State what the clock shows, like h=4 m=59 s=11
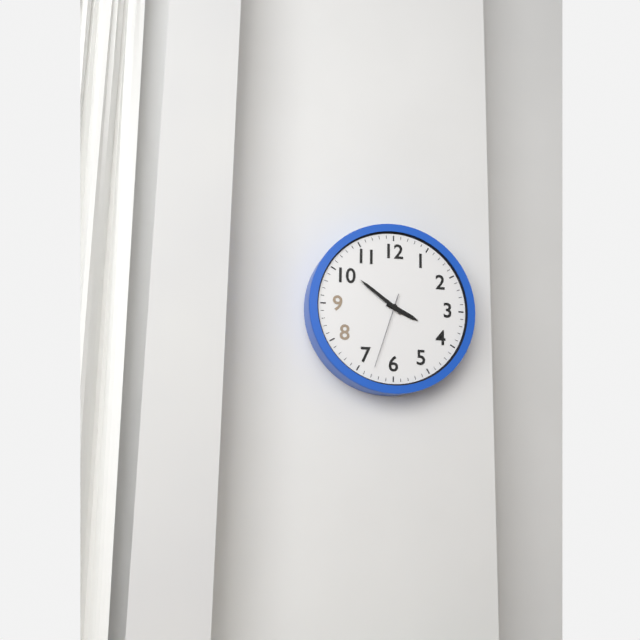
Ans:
h=3 m=51 s=33
